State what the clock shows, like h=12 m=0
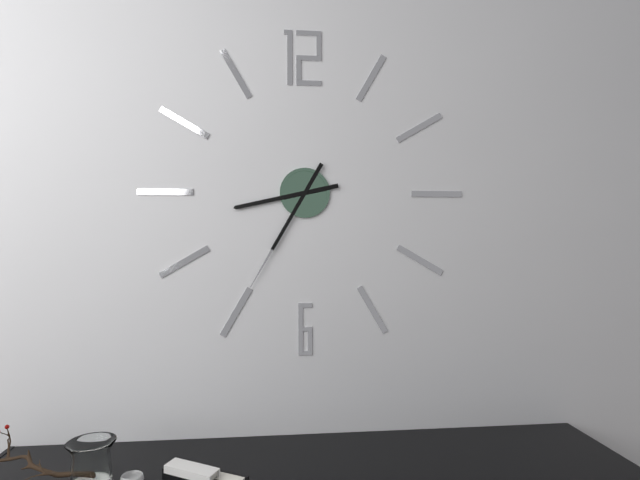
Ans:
h=8 m=35
